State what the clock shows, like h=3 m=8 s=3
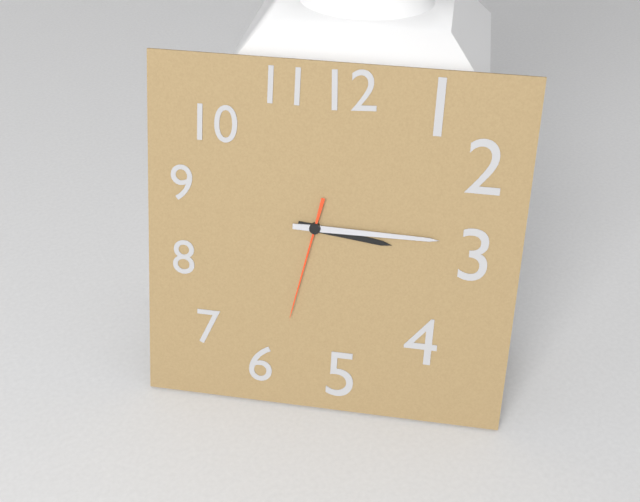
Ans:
h=3 m=15 s=32
